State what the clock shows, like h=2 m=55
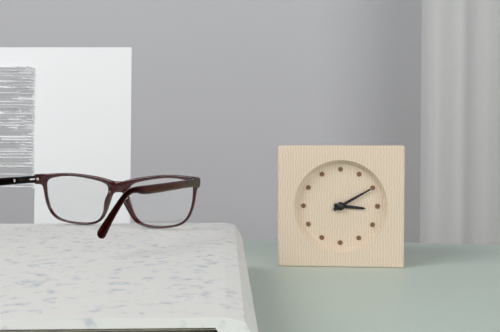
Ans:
h=3 m=10
